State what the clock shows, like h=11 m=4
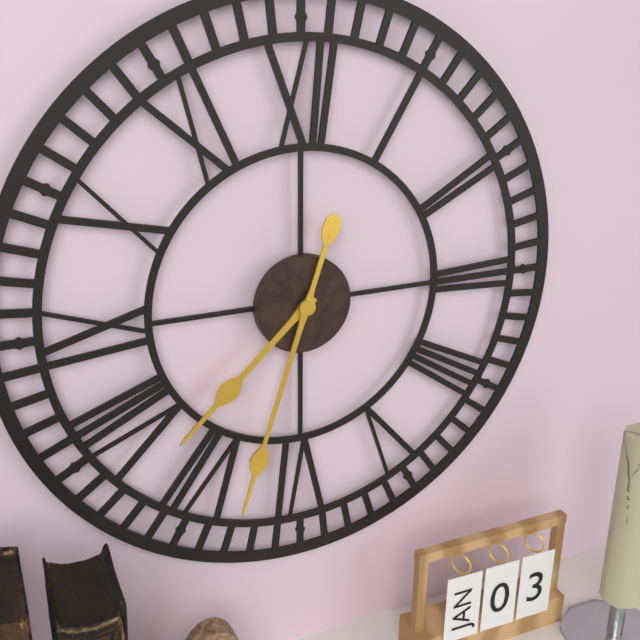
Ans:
h=7 m=33
